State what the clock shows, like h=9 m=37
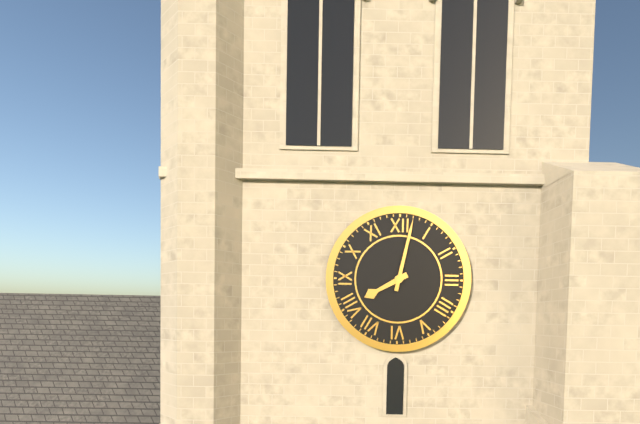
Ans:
h=8 m=2
